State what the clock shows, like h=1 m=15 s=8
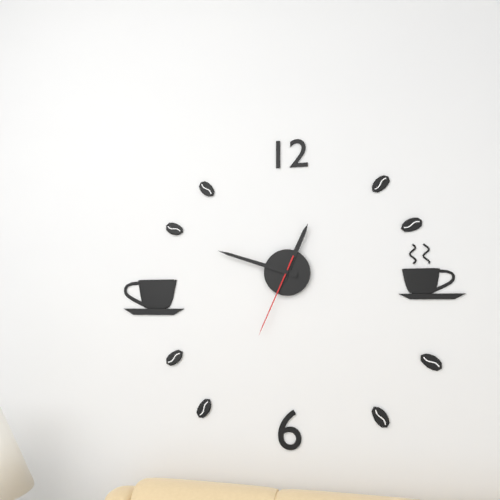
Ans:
h=12 m=48 s=34
